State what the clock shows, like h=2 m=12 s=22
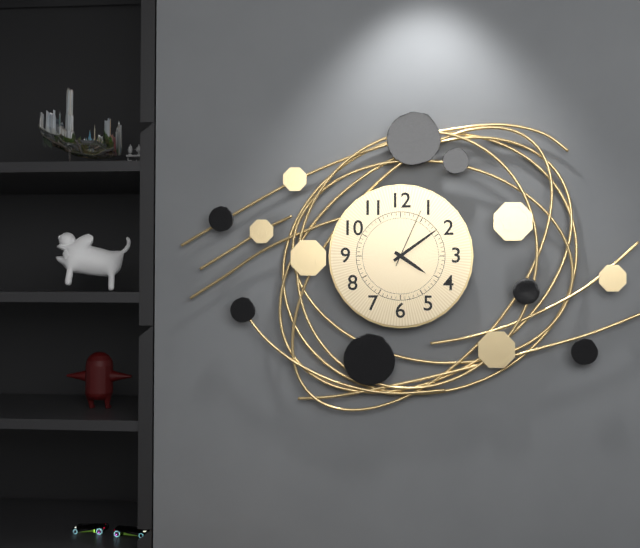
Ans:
h=4 m=9 s=4
